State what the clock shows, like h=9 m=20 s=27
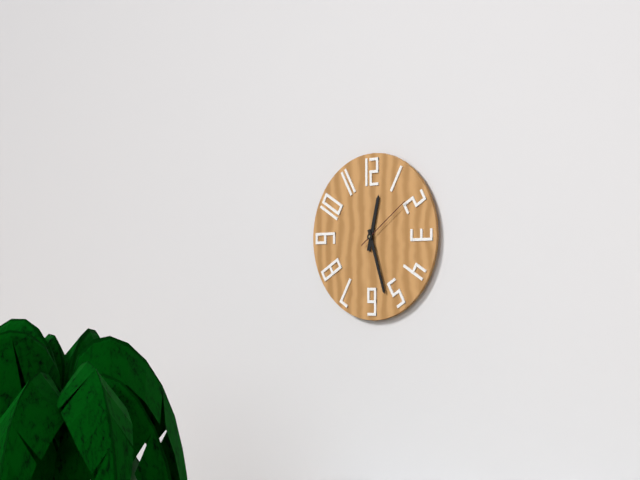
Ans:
h=12 m=27 s=9
